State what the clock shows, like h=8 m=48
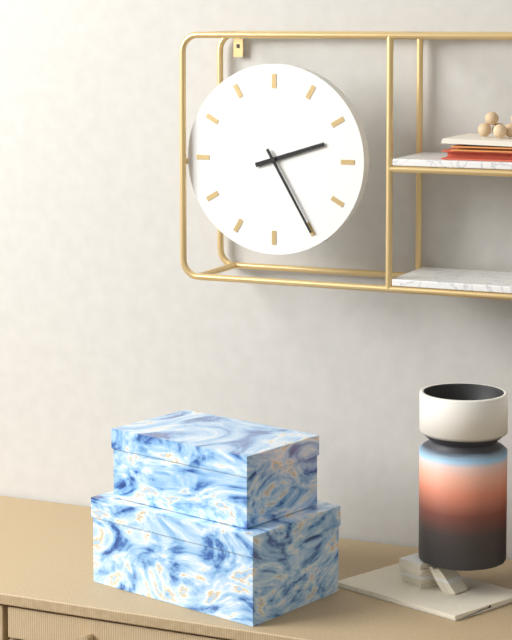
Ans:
h=2 m=25
